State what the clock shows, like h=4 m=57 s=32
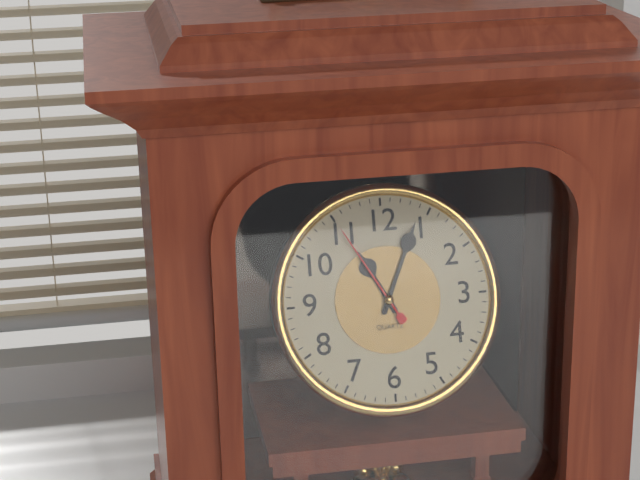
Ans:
h=11 m=4 s=55
